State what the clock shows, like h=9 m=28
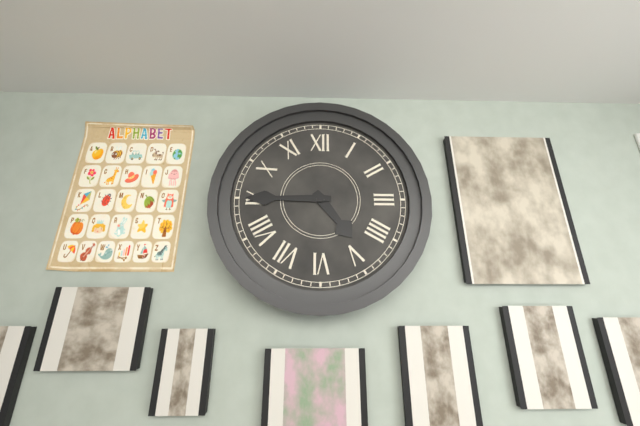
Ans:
h=4 m=45
